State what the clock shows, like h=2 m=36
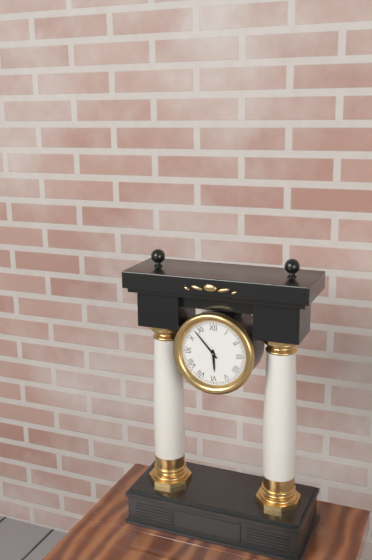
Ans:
h=5 m=53
